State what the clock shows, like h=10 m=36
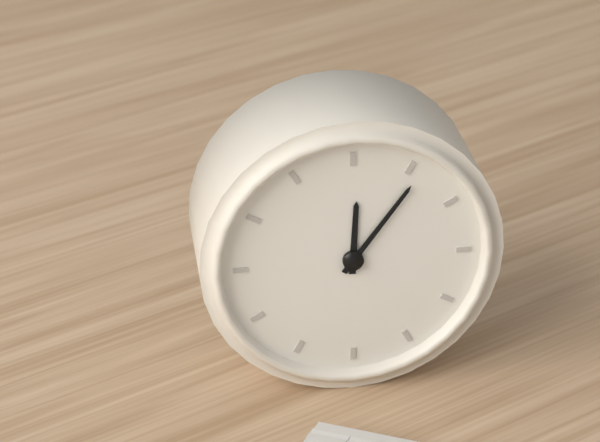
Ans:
h=12 m=6
